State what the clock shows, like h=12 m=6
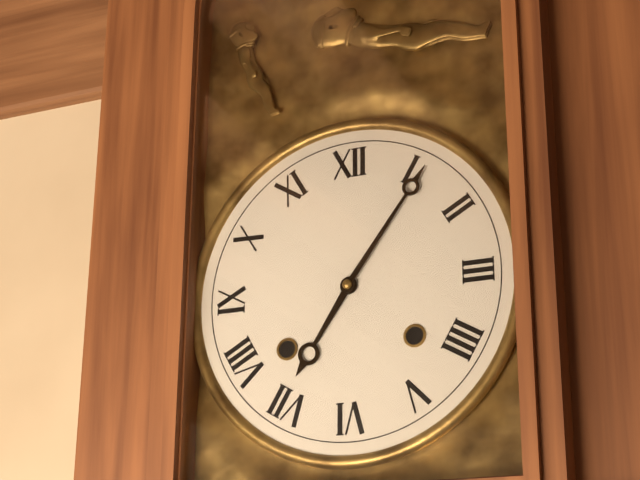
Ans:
h=7 m=6
